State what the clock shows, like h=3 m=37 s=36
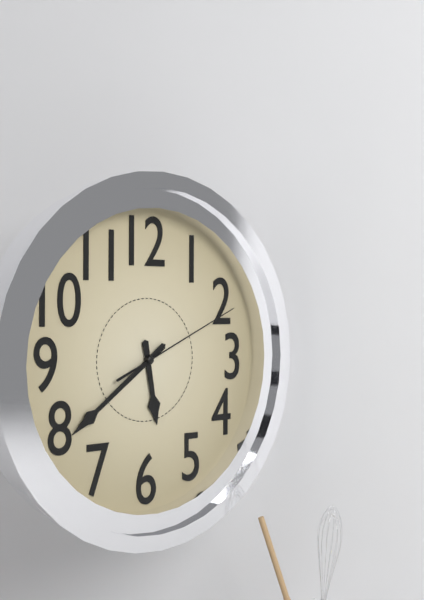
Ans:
h=5 m=39 s=11
